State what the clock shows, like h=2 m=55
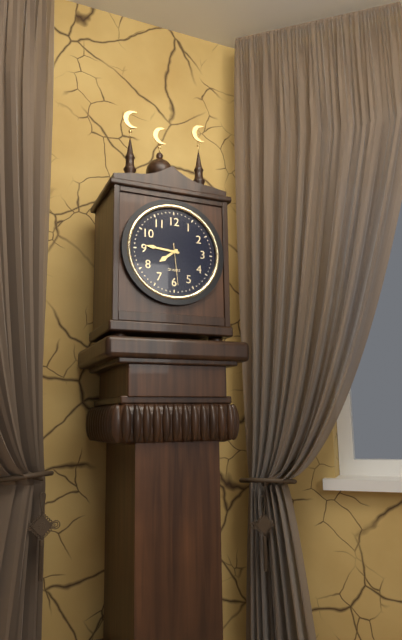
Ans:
h=7 m=46
